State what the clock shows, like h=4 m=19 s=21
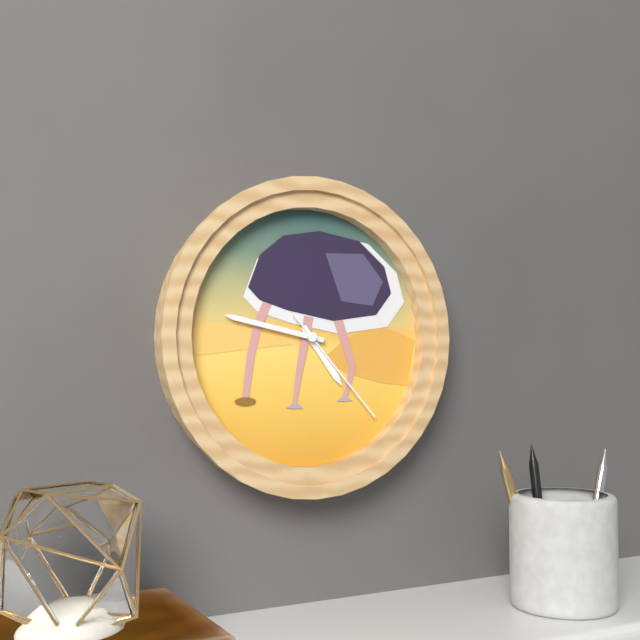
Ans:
h=4 m=47 s=23
